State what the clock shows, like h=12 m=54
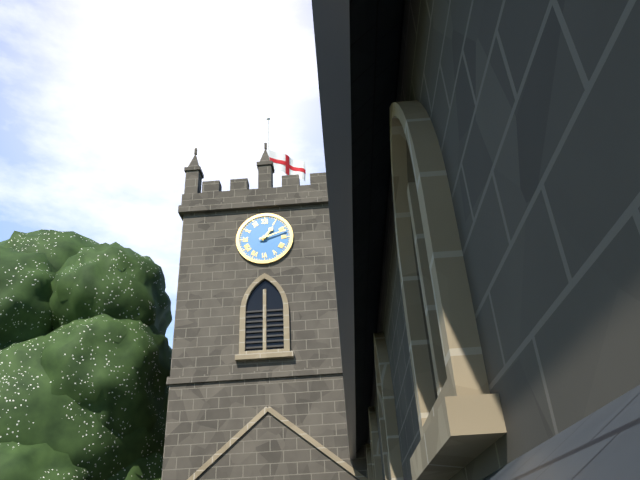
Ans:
h=1 m=12
